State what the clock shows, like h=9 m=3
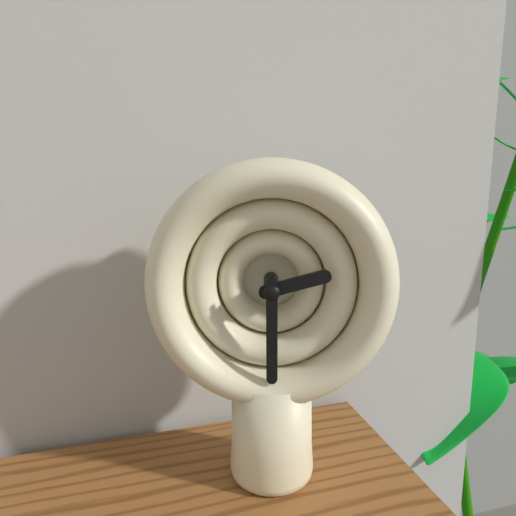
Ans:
h=2 m=30
